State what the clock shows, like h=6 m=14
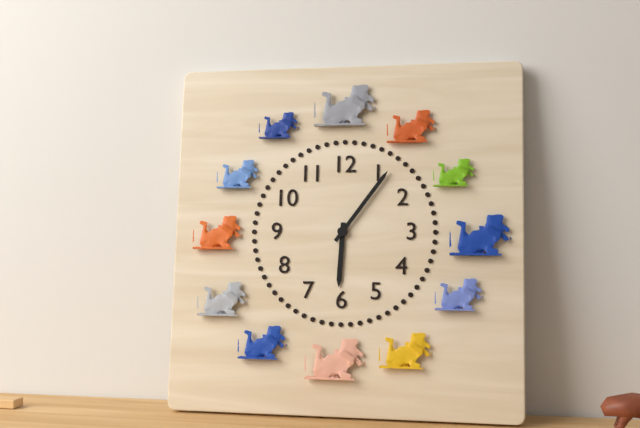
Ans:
h=6 m=6
